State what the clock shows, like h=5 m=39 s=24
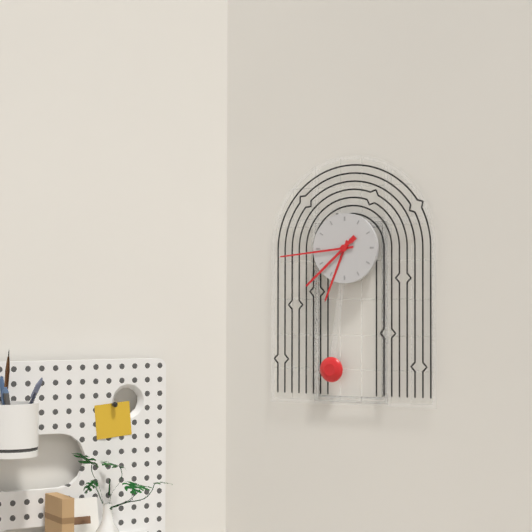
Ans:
h=6 m=44 s=38
